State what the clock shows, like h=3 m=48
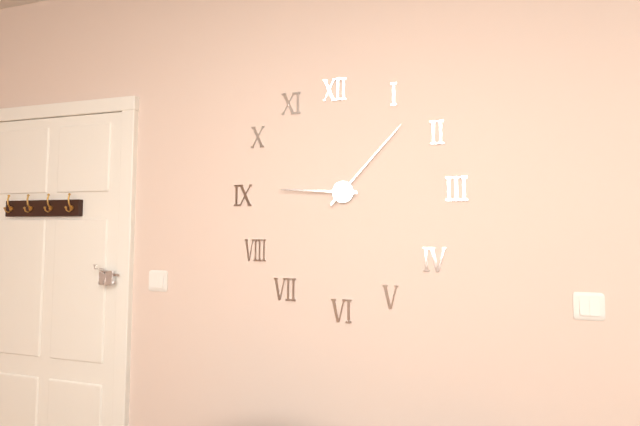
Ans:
h=9 m=7
